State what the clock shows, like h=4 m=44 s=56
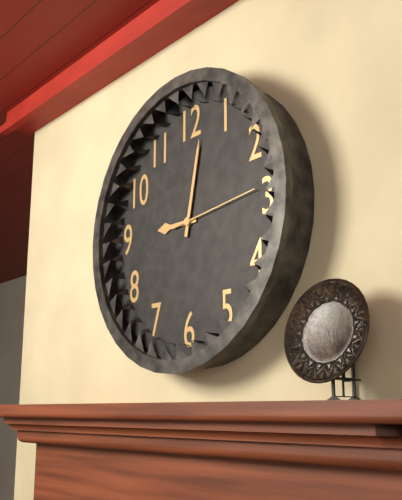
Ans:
h=9 m=2 s=14
